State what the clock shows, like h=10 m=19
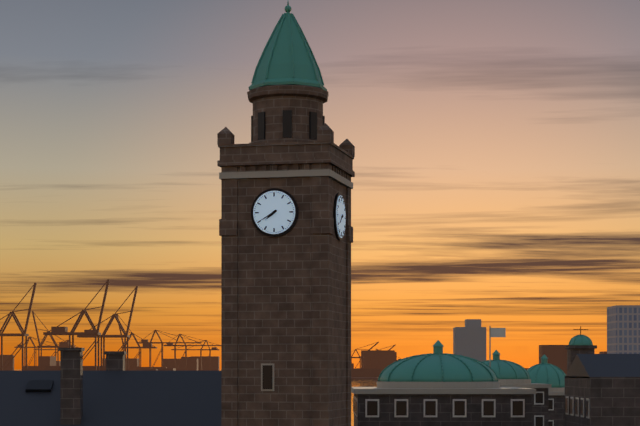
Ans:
h=7 m=40
